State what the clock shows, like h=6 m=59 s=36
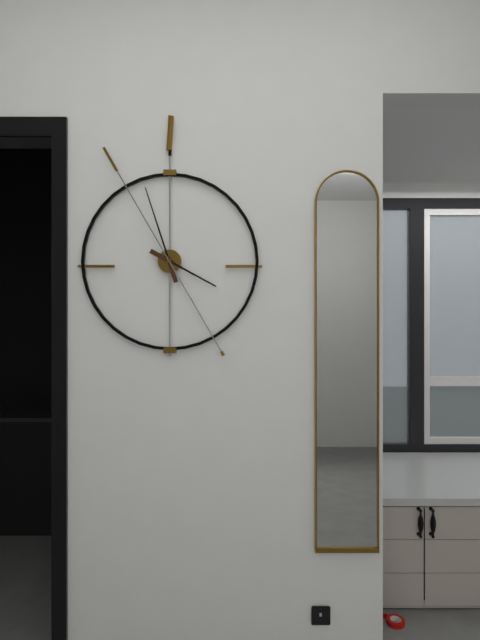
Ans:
h=3 m=57 s=55
